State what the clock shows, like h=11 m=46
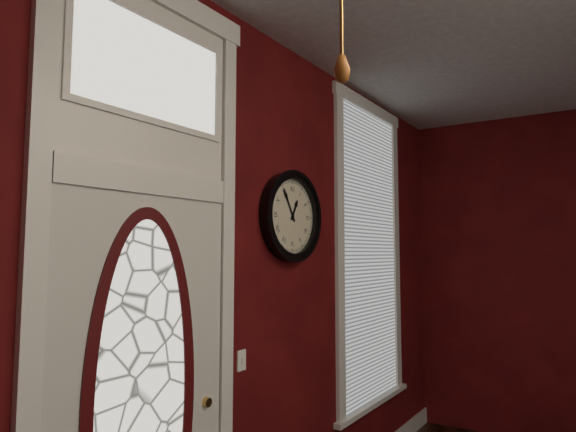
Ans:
h=12 m=55
